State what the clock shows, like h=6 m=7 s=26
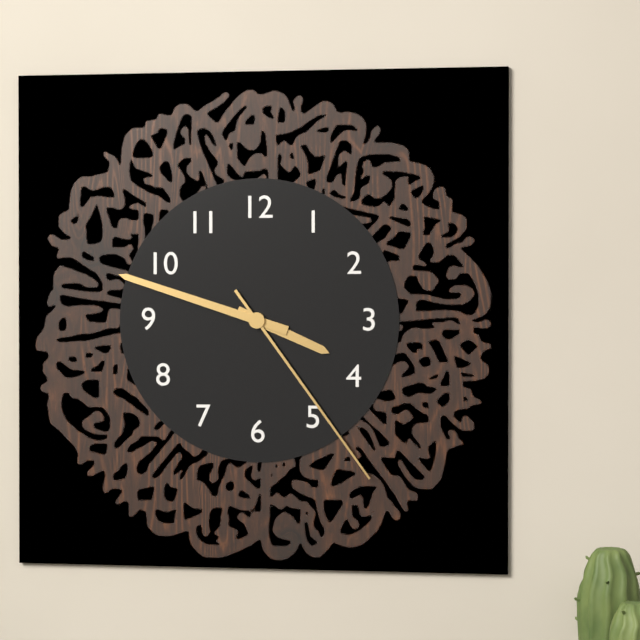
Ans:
h=3 m=48 s=24
